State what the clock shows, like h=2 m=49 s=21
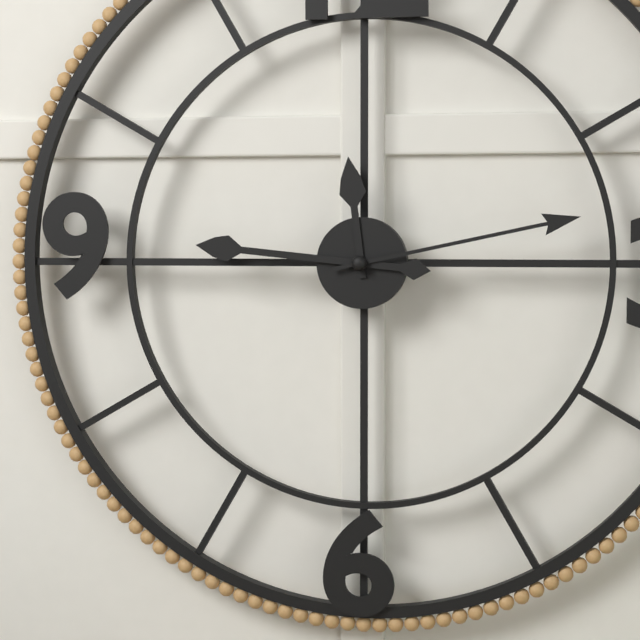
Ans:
h=11 m=46 s=13
